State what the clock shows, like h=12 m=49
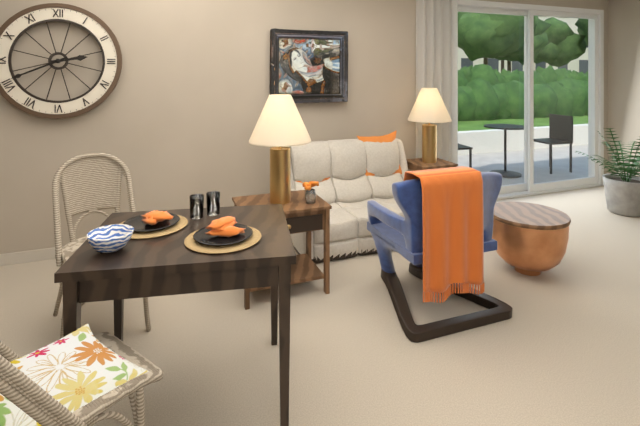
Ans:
h=2 m=41
